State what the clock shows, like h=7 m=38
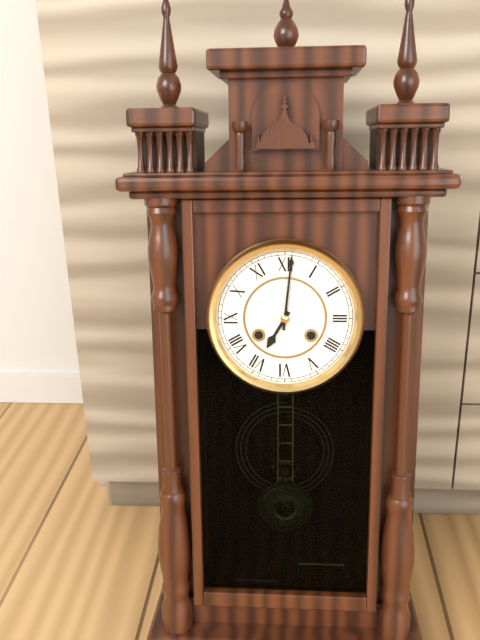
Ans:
h=7 m=1
